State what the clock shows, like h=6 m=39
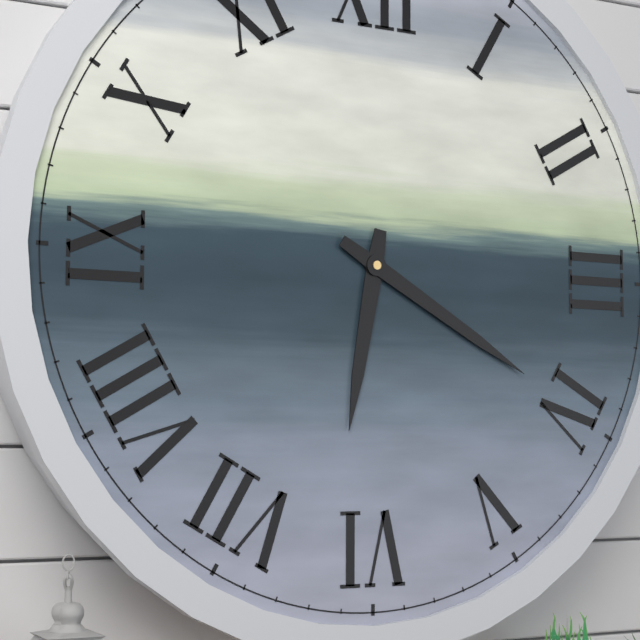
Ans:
h=6 m=20
